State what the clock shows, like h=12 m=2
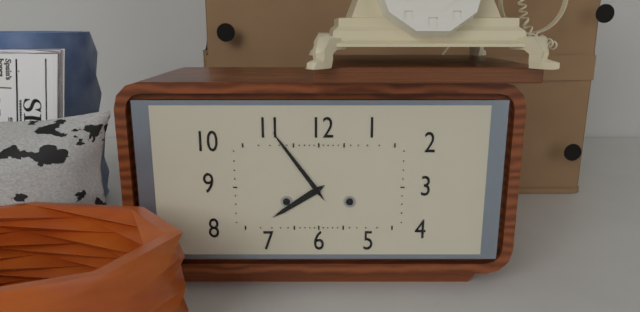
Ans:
h=7 m=54
